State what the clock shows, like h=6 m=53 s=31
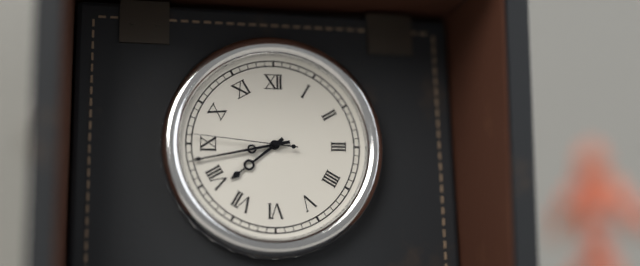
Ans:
h=7 m=43 s=46
